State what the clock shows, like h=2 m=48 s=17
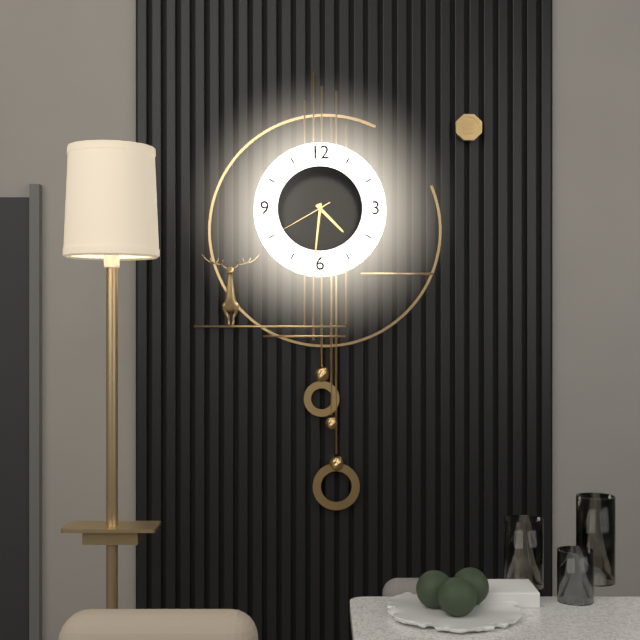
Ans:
h=4 m=31 s=40
